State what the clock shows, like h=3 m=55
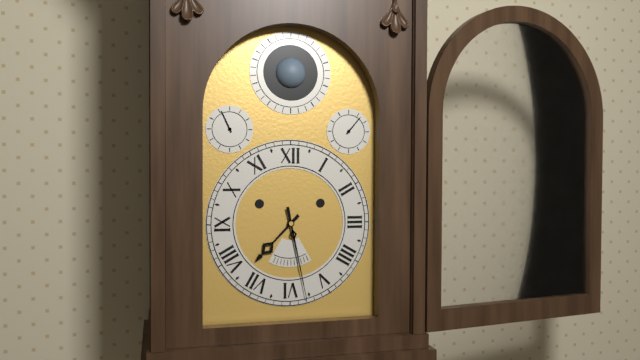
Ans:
h=7 m=28
